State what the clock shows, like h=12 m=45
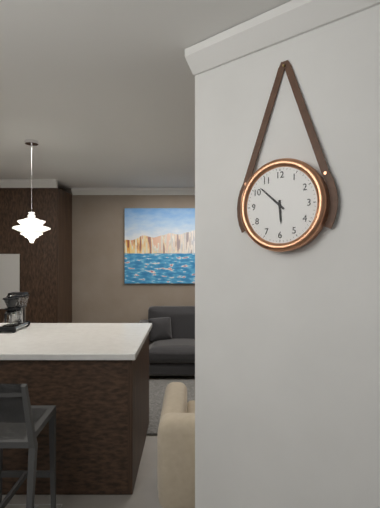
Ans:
h=5 m=52
